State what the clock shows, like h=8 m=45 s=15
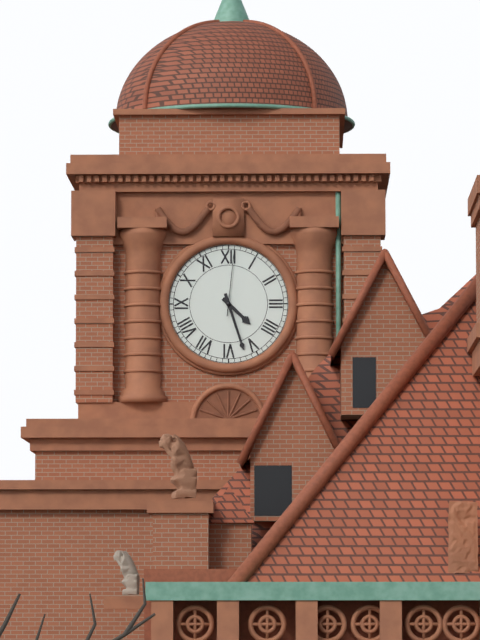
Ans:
h=4 m=27 s=1
